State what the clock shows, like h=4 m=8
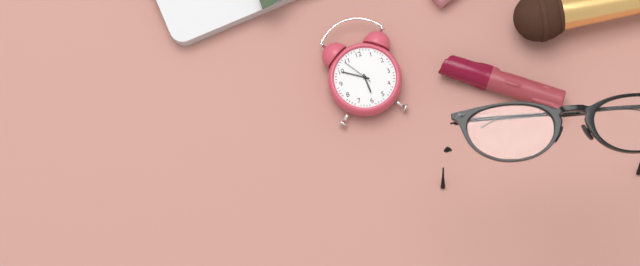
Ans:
h=5 m=50
